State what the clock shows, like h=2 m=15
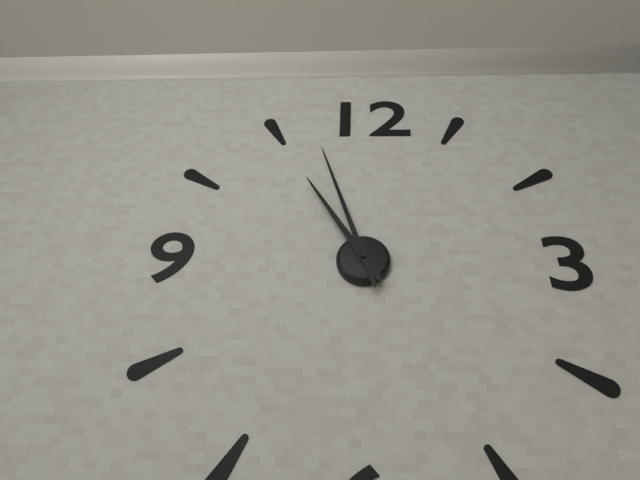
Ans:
h=10 m=57
